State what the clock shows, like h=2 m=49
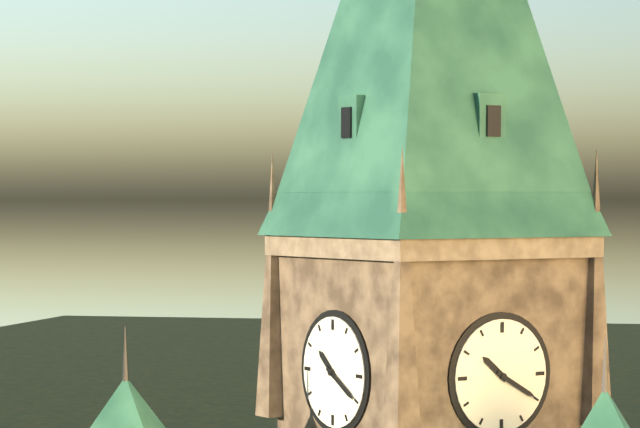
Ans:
h=10 m=20
